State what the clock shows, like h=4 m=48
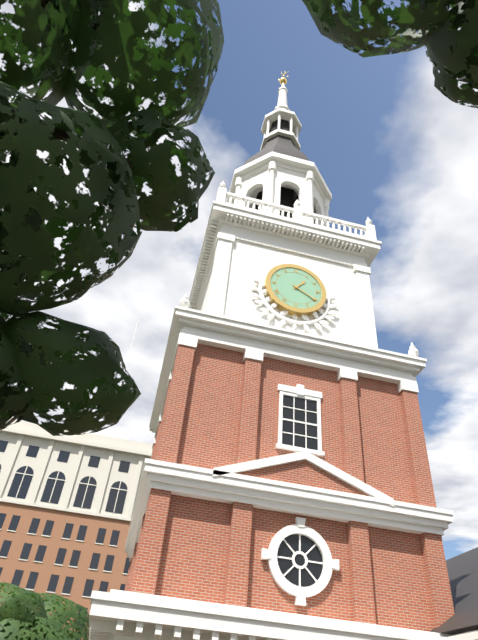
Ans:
h=1 m=20
